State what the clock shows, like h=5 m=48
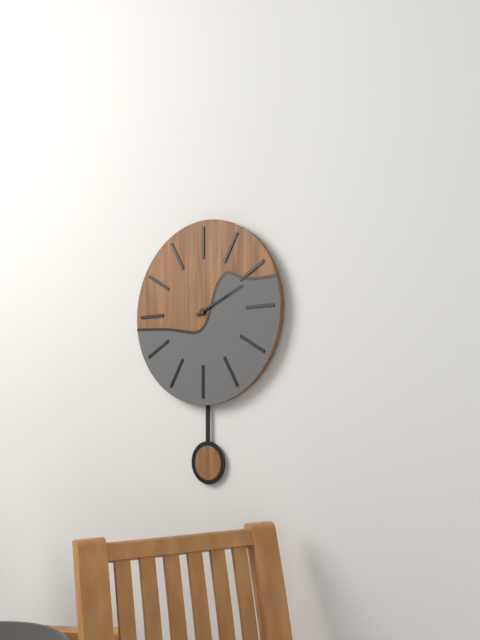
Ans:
h=2 m=11
